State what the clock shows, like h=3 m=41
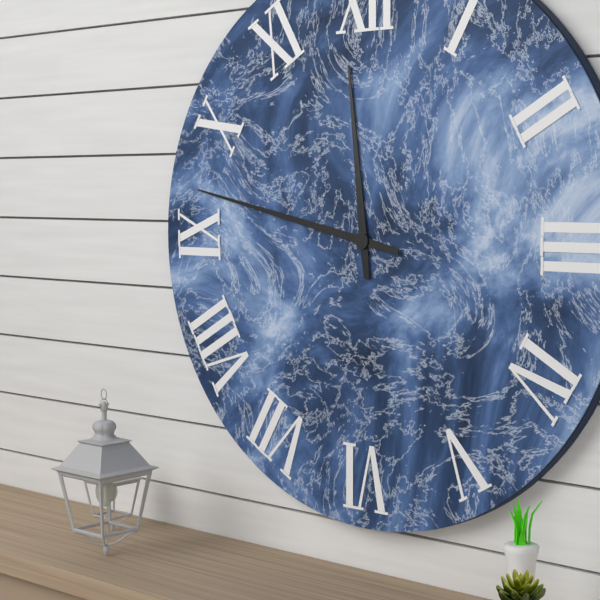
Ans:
h=11 m=47
